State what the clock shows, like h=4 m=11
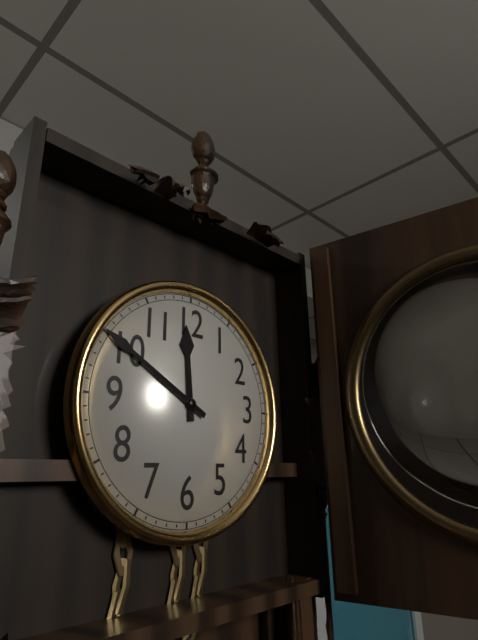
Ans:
h=11 m=50
